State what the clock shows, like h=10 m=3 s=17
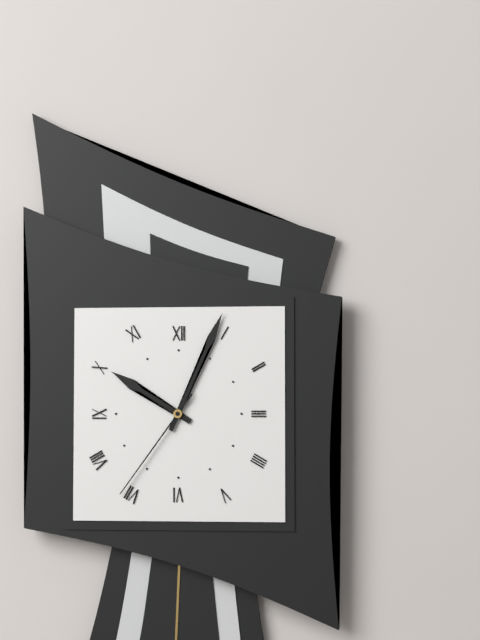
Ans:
h=10 m=4 s=36
